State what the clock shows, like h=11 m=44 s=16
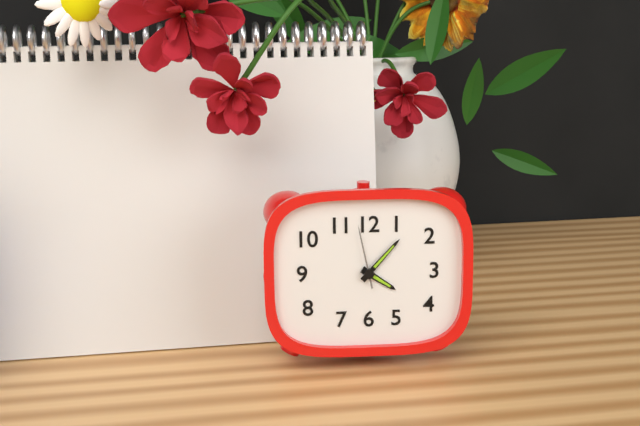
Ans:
h=4 m=7 s=58
